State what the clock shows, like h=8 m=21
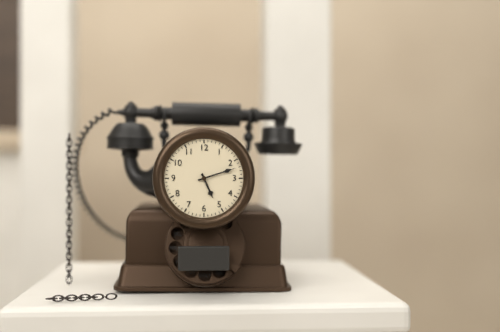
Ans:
h=5 m=12
